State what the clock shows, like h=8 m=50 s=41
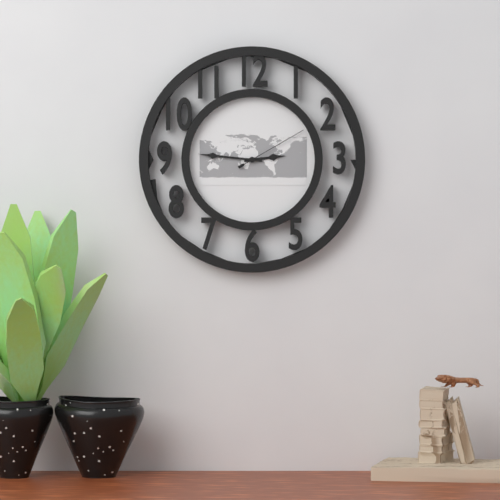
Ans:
h=2 m=46 s=10
